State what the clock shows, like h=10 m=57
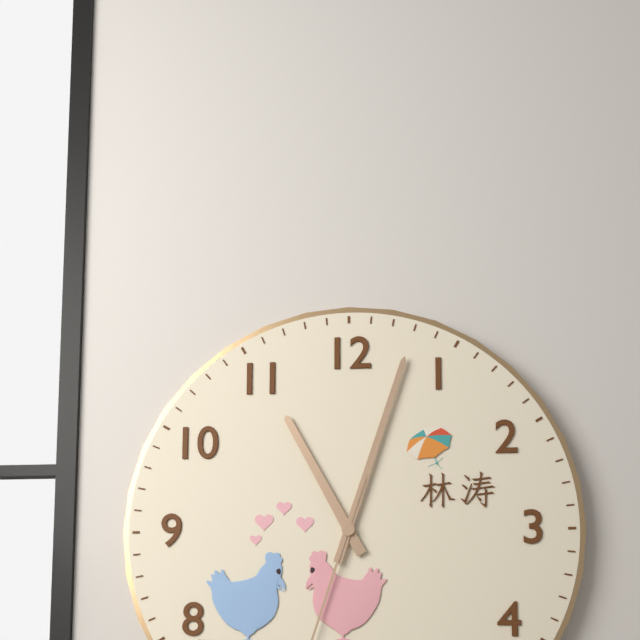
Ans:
h=11 m=3
